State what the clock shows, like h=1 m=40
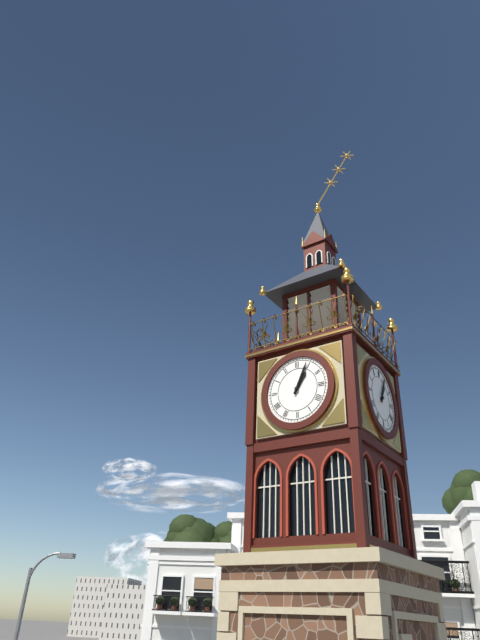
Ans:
h=1 m=4
